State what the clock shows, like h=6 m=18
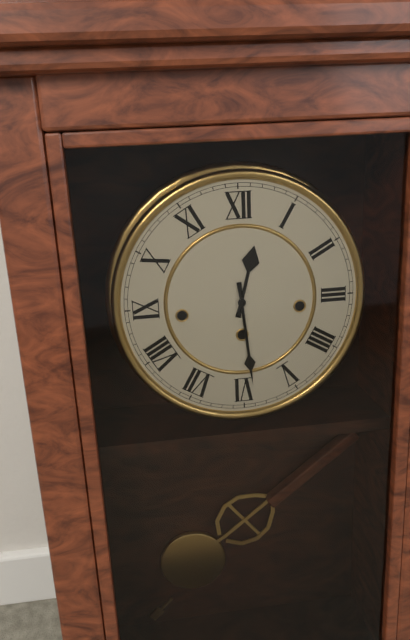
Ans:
h=12 m=29
